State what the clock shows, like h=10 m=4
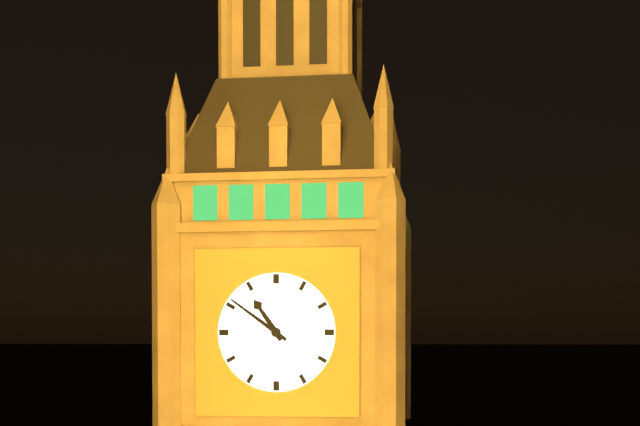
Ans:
h=10 m=51
